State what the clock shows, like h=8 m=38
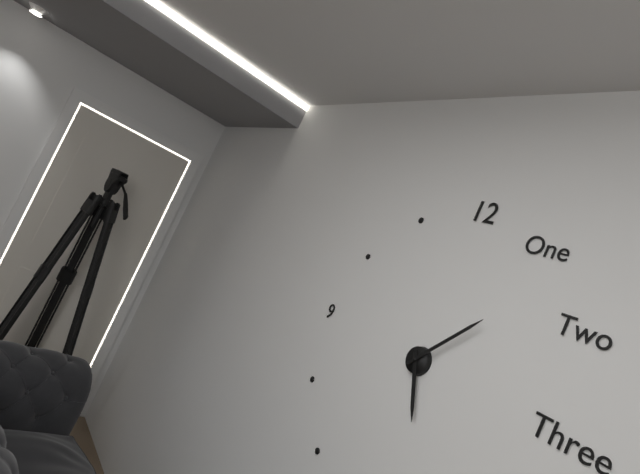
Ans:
h=5 m=7
